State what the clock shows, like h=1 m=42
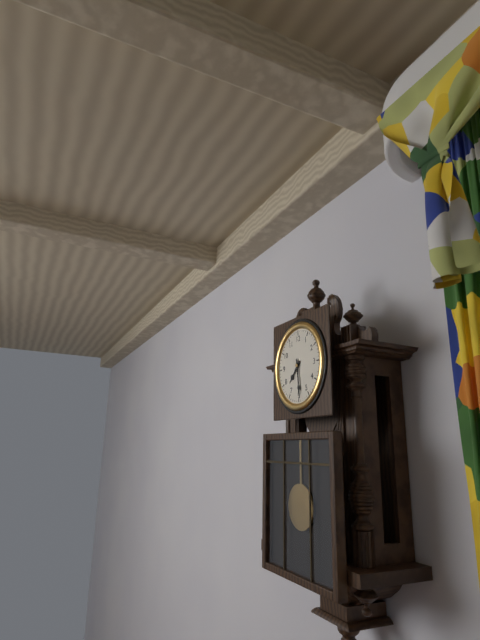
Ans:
h=7 m=29
